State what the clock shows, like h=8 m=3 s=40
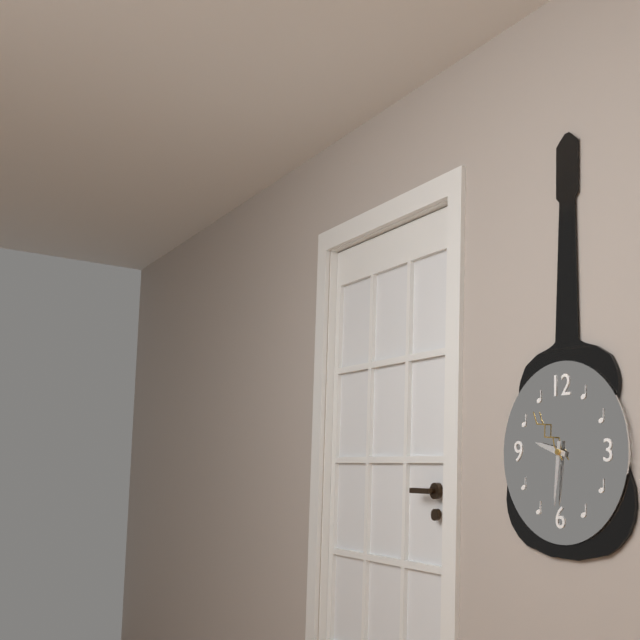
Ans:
h=9 m=31 s=53
